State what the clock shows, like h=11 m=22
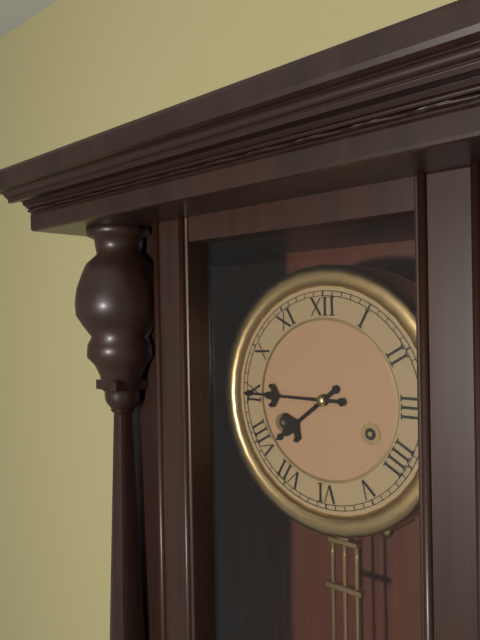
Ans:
h=7 m=45
